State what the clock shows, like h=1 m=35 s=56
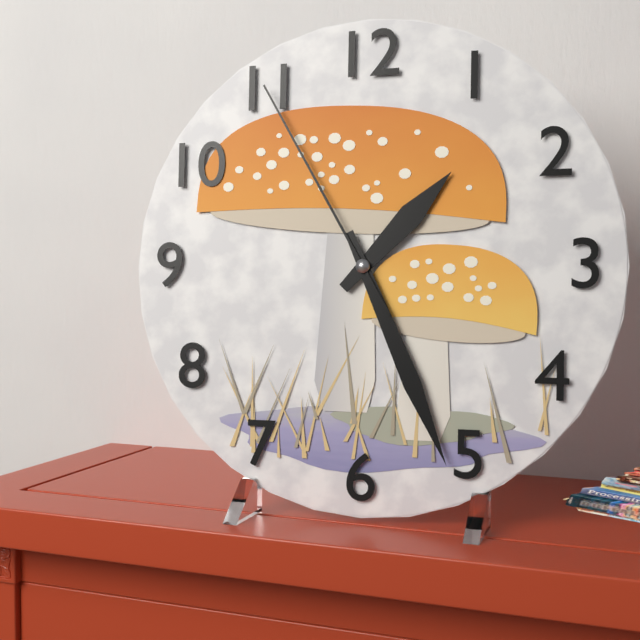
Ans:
h=1 m=26 s=55
